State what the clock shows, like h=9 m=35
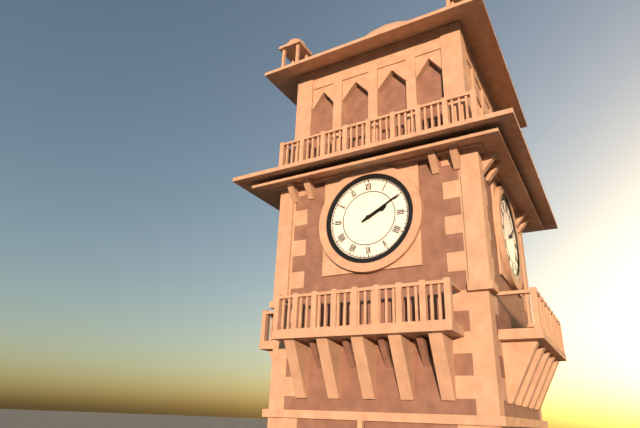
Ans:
h=2 m=10
